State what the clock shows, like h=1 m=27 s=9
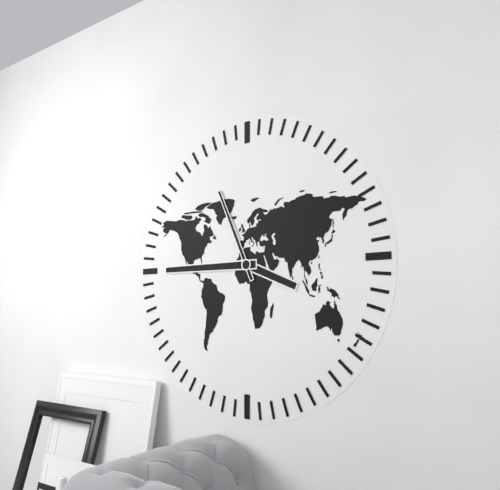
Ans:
h=3 m=45 s=56
